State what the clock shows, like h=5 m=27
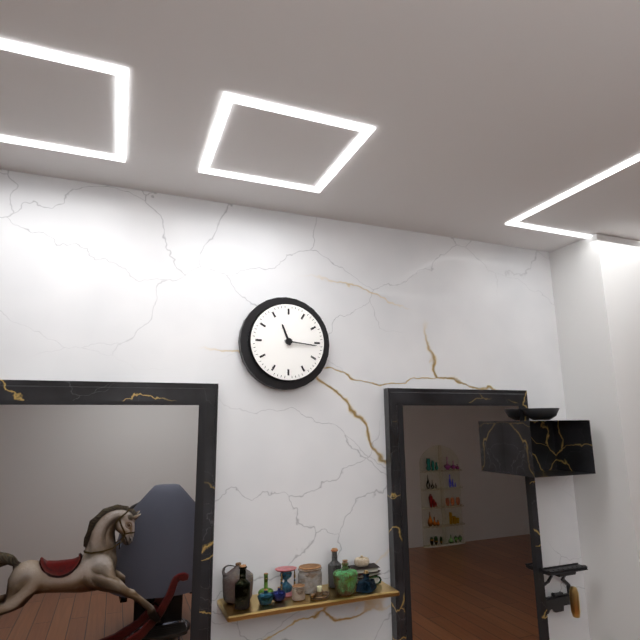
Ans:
h=11 m=16
